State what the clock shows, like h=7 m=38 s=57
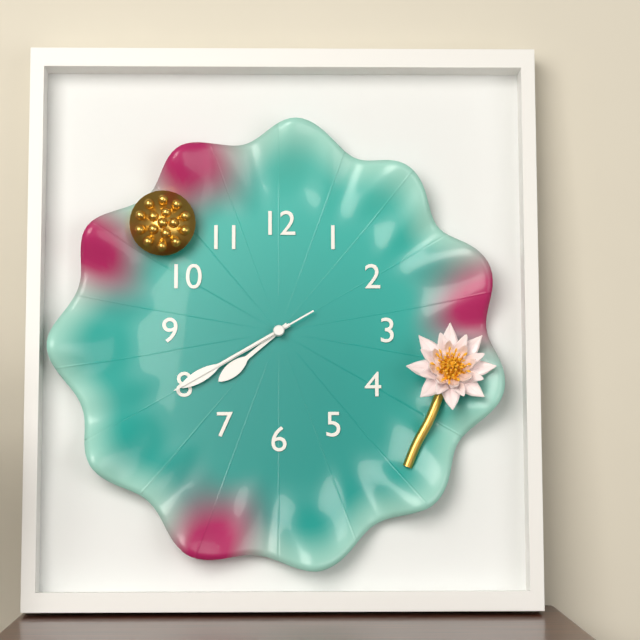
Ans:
h=7 m=40 s=40
